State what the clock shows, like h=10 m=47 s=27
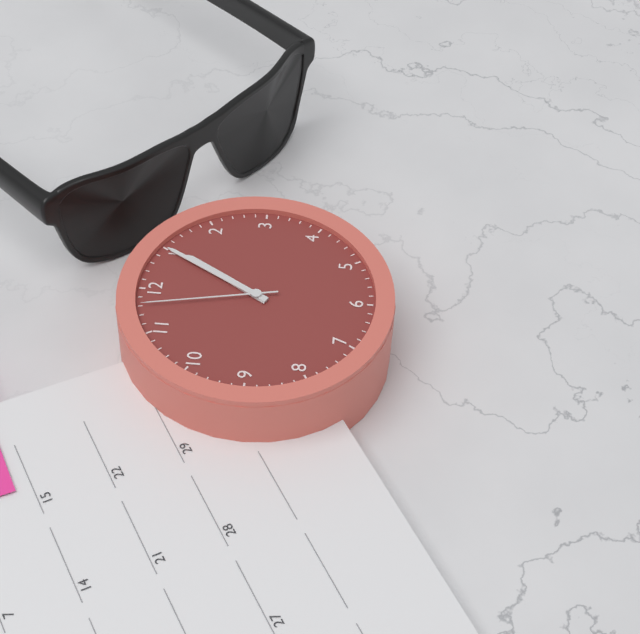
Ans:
h=1 m=5 s=58
